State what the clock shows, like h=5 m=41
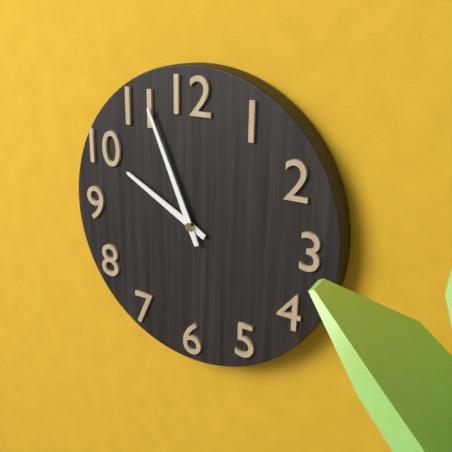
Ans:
h=9 m=56
